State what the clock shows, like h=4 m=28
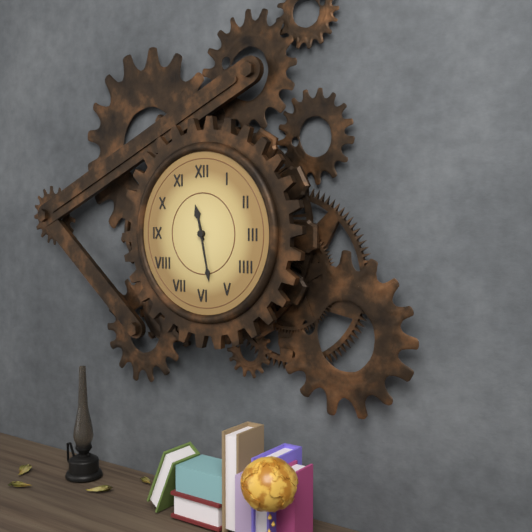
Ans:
h=11 m=28
